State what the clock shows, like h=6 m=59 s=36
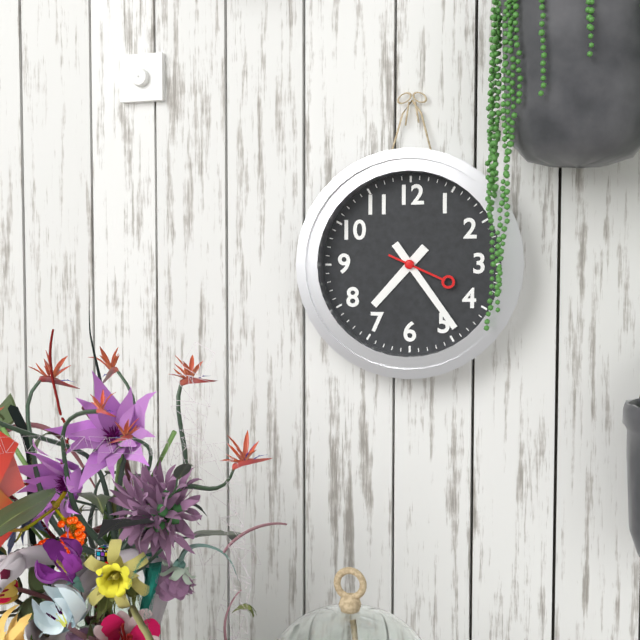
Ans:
h=7 m=24 s=19
